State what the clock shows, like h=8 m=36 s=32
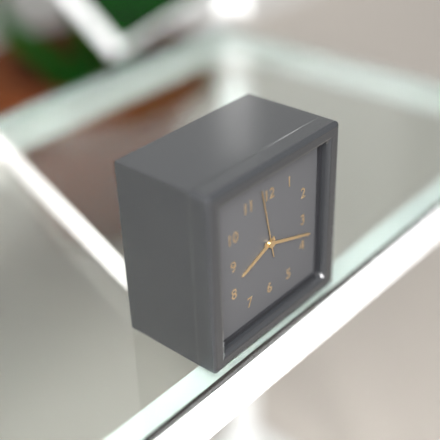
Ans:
h=8 m=18 s=58
